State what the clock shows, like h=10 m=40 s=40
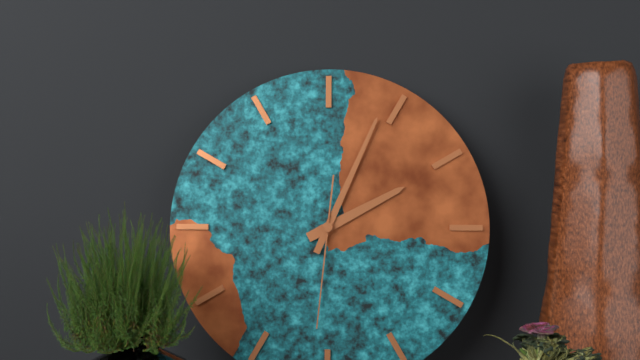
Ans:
h=2 m=4 s=31
